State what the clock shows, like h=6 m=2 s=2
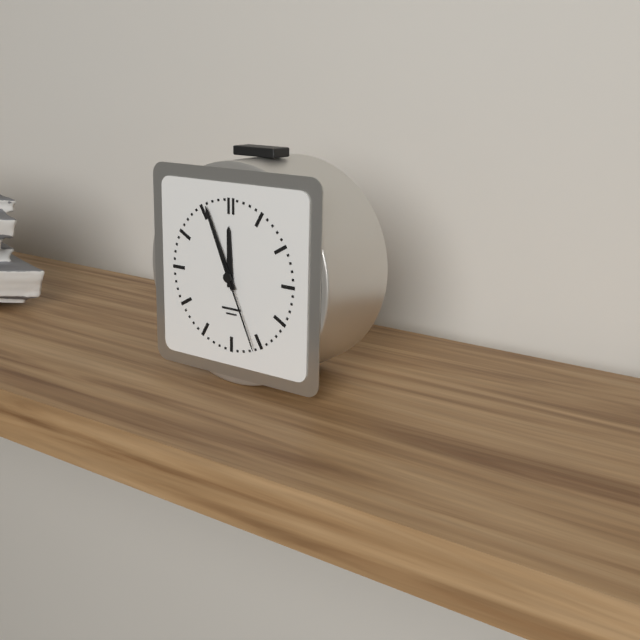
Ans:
h=11 m=56 s=26
